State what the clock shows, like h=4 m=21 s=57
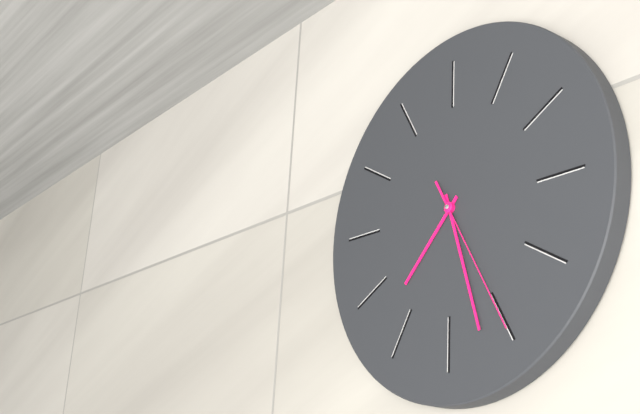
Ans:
h=7 m=27 s=25
